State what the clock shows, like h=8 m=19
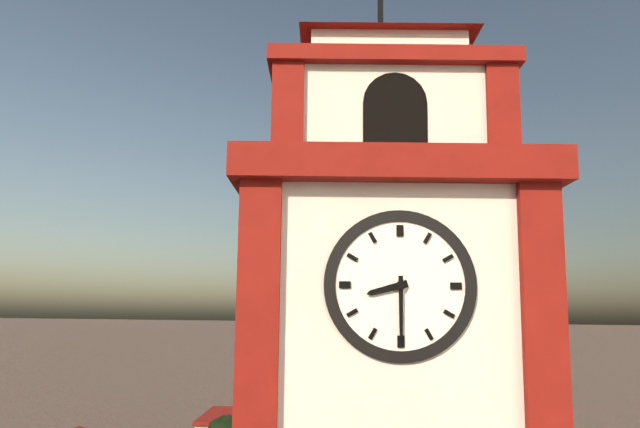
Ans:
h=8 m=30
